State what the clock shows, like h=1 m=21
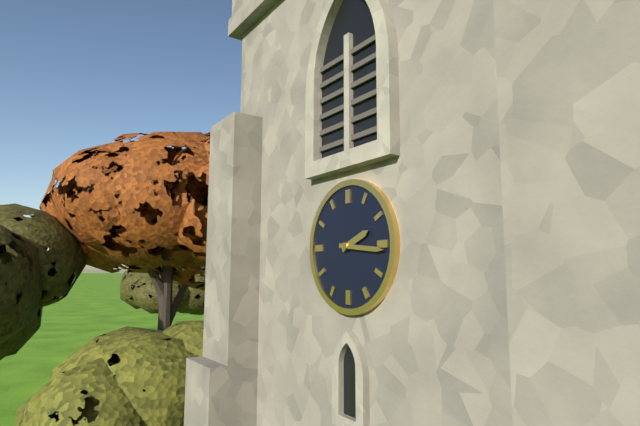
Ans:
h=2 m=16
